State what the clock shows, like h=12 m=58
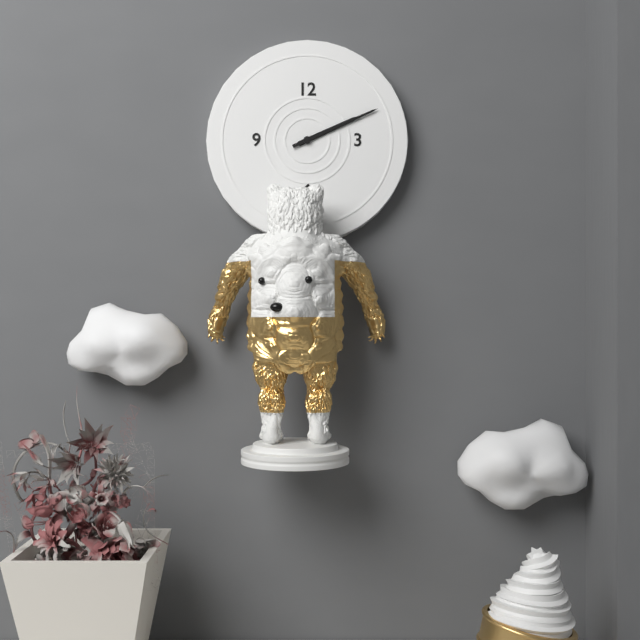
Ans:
h=2 m=11
